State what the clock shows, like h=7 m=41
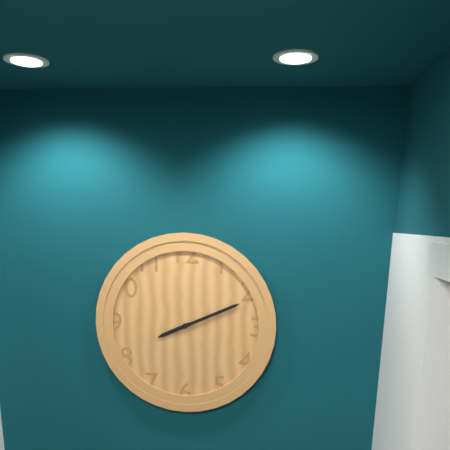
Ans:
h=8 m=11
